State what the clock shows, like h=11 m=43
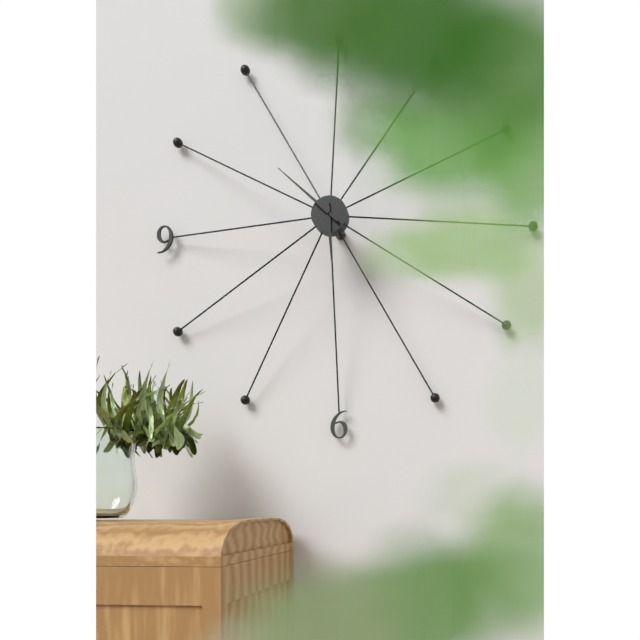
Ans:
h=5 m=52
